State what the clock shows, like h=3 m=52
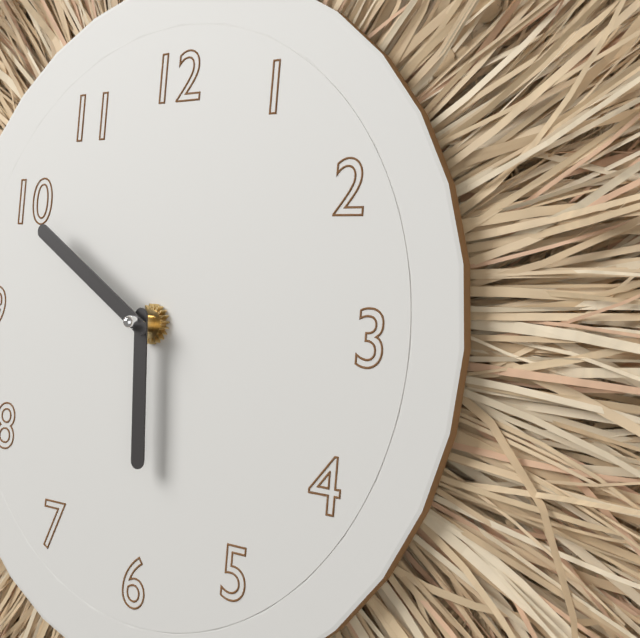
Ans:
h=5 m=50
